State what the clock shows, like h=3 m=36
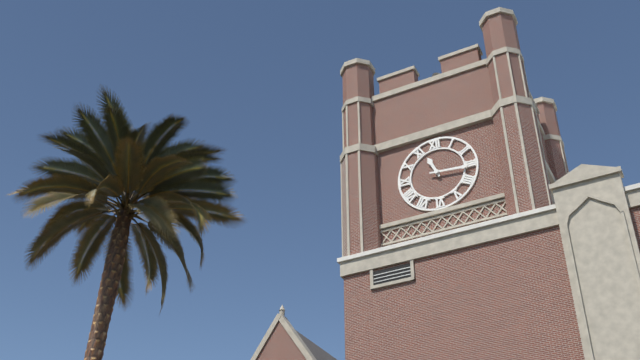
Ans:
h=11 m=16
